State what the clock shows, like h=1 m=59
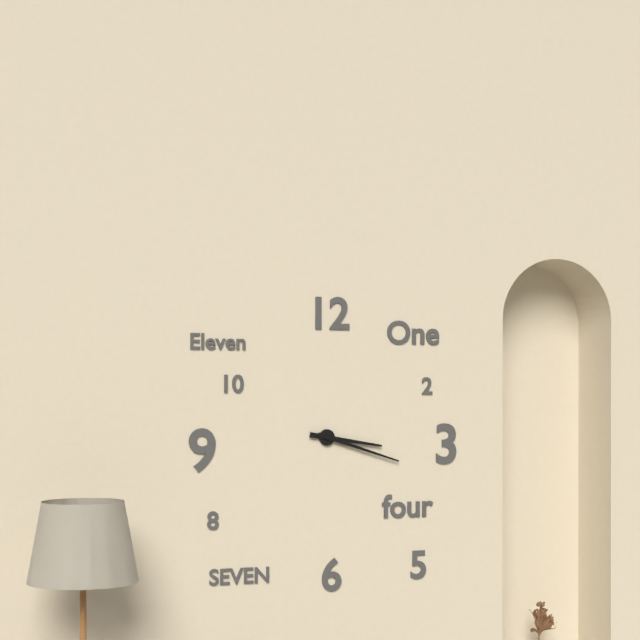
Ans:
h=3 m=18
